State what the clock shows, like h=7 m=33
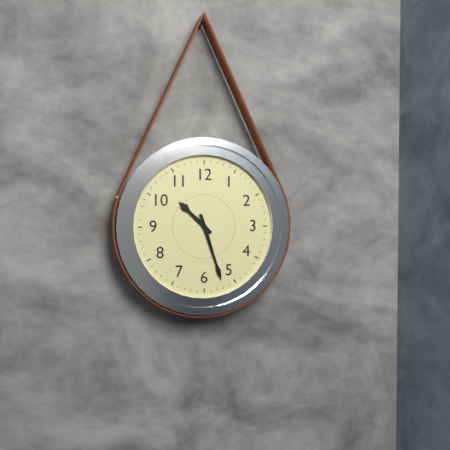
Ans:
h=10 m=27
